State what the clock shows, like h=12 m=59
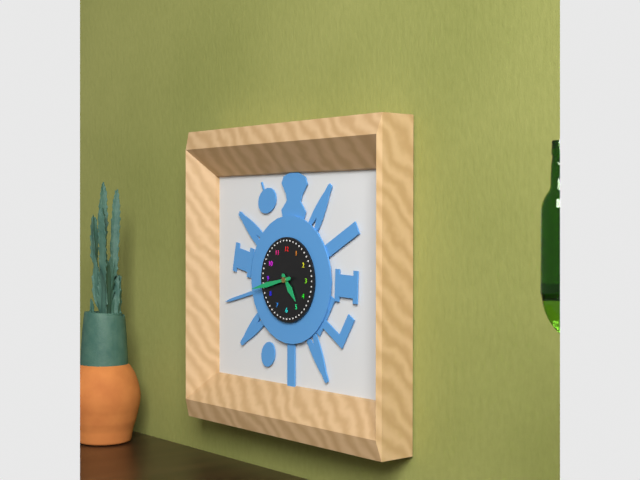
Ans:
h=4 m=43
